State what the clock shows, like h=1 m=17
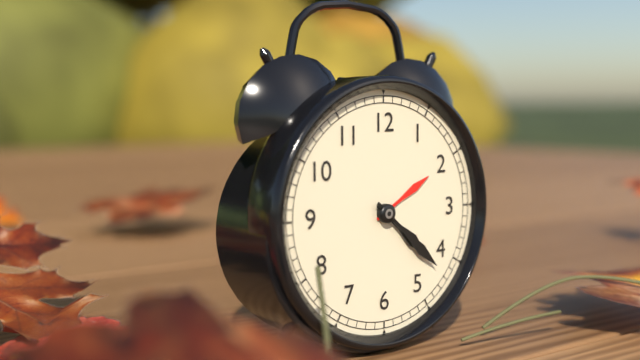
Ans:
h=4 m=22
